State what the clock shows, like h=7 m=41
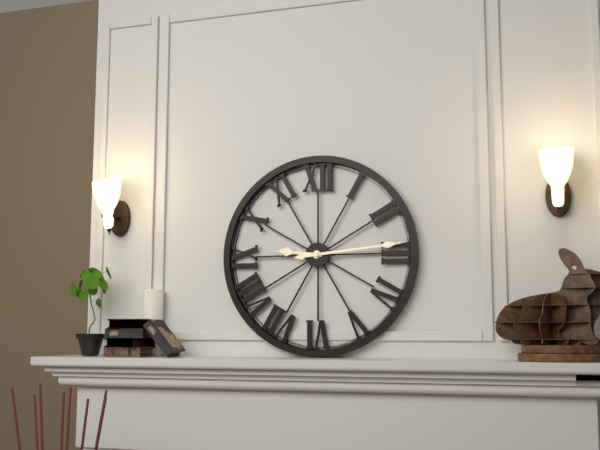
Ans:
h=9 m=14
